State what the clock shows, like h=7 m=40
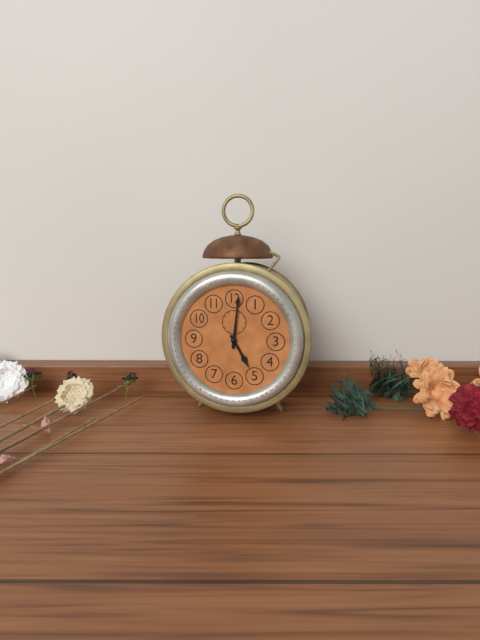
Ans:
h=5 m=1
